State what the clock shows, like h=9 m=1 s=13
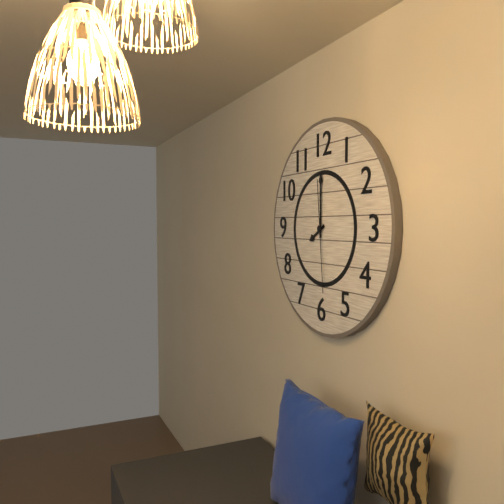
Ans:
h=8 m=0 s=29
